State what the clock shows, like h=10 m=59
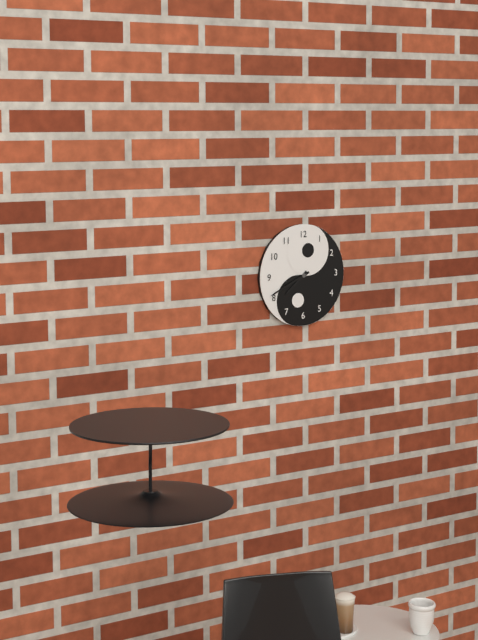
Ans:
h=7 m=41
